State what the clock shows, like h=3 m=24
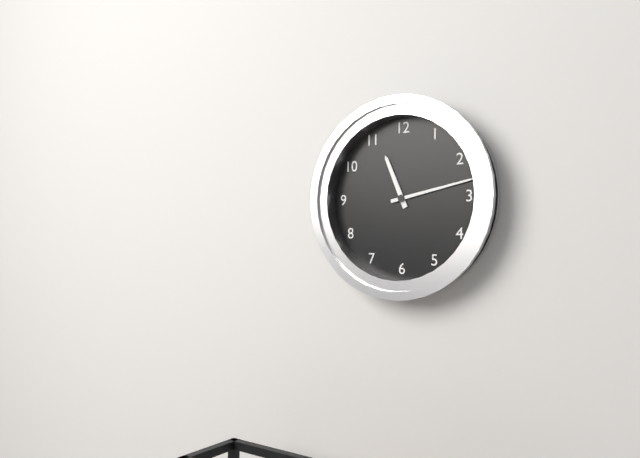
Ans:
h=11 m=13
